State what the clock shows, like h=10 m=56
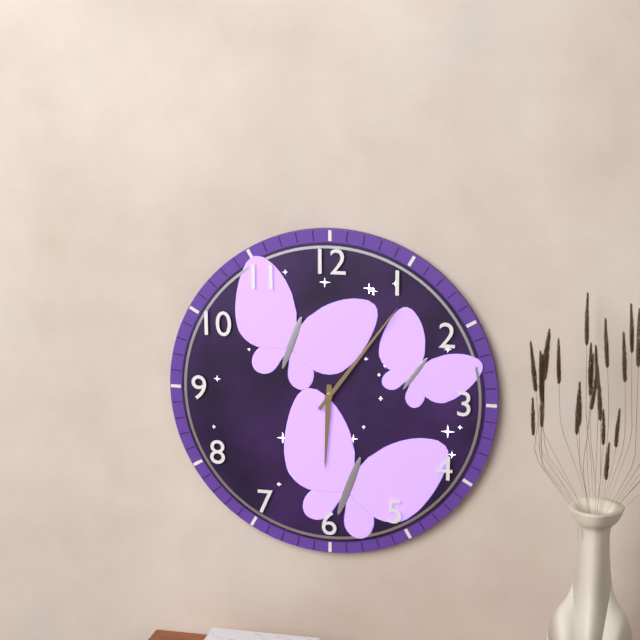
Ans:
h=6 m=6
